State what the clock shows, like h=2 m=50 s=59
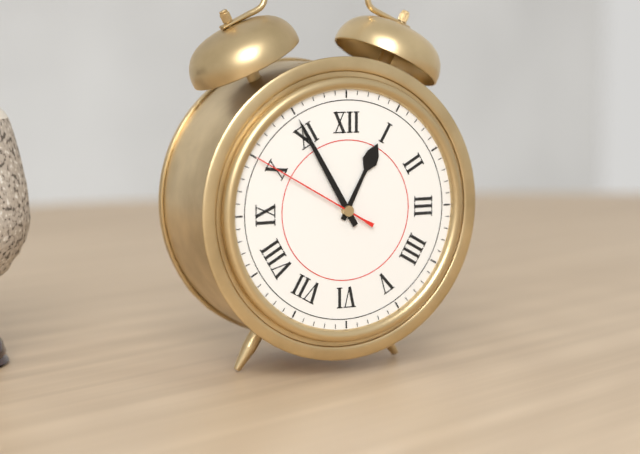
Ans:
h=12 m=55 s=50
